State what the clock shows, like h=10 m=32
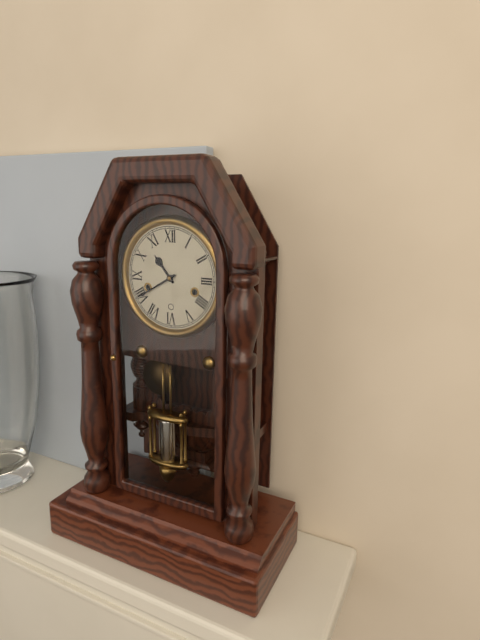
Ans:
h=10 m=40
